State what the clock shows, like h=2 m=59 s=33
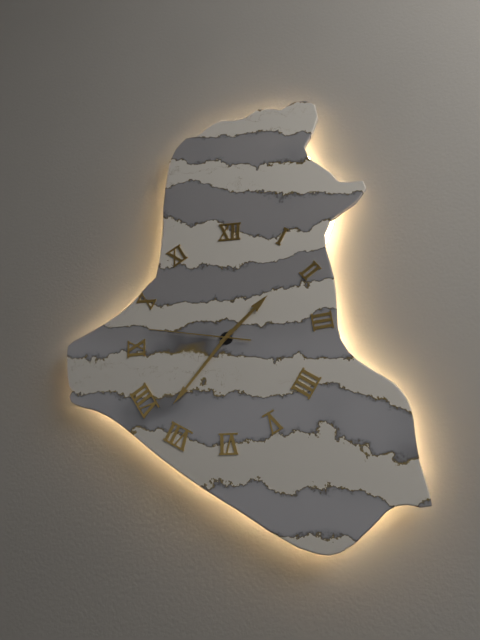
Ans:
h=1 m=37 s=47
